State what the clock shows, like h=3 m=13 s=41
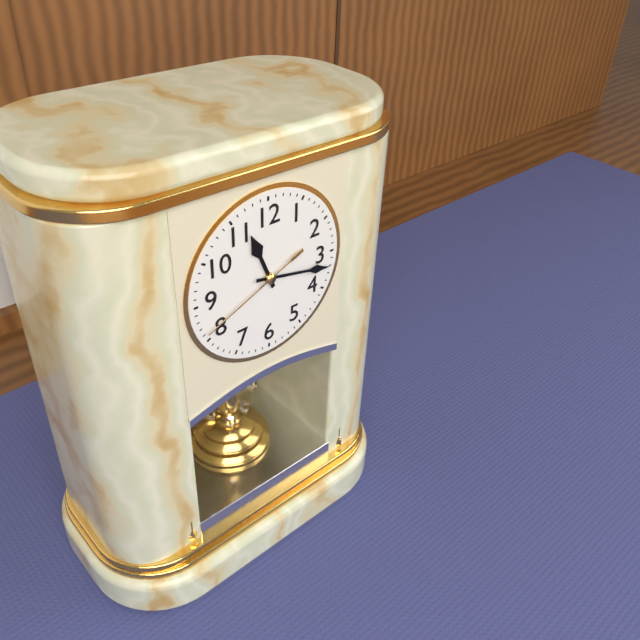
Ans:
h=11 m=17 s=41
